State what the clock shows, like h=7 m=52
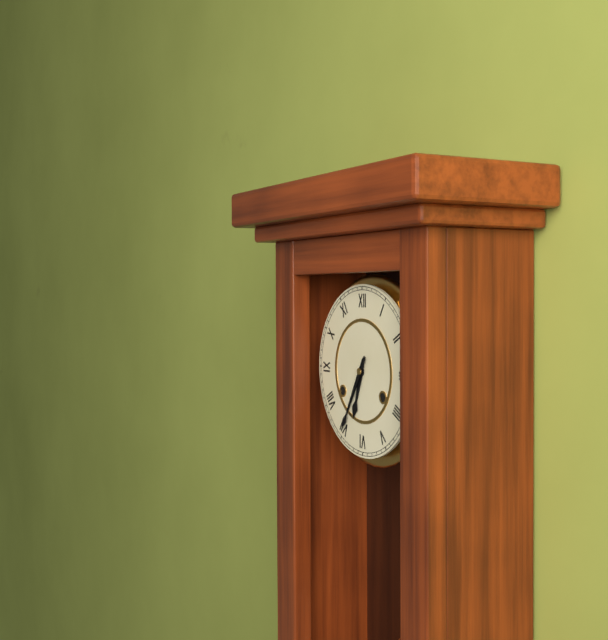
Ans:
h=6 m=35
